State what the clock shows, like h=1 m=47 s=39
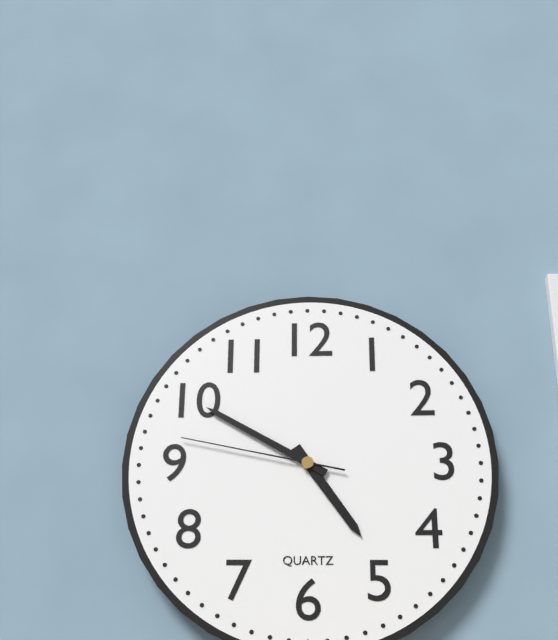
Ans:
h=4 m=50 s=47
